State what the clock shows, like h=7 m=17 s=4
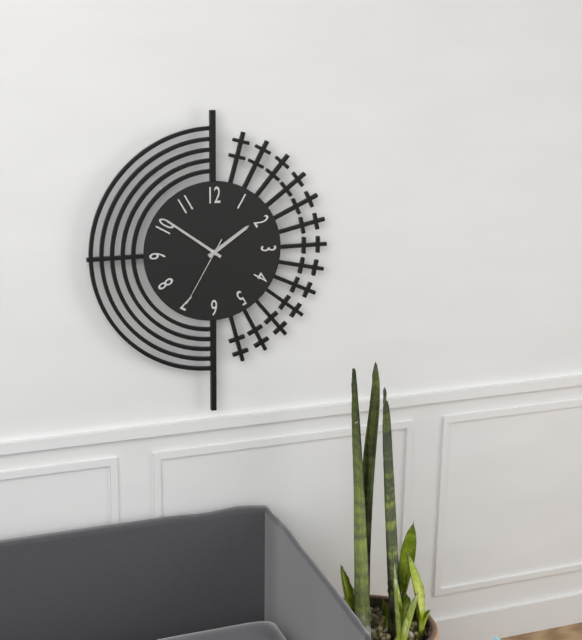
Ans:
h=1 m=51 s=35
